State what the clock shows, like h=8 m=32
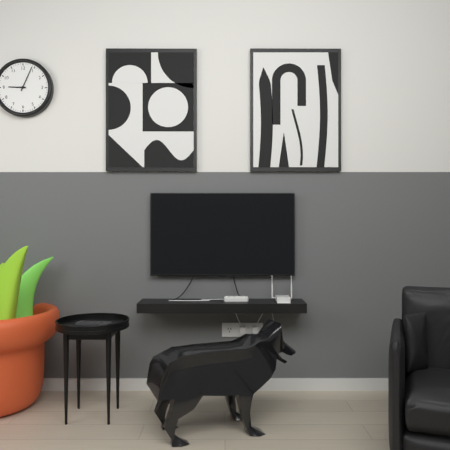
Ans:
h=9 m=4
